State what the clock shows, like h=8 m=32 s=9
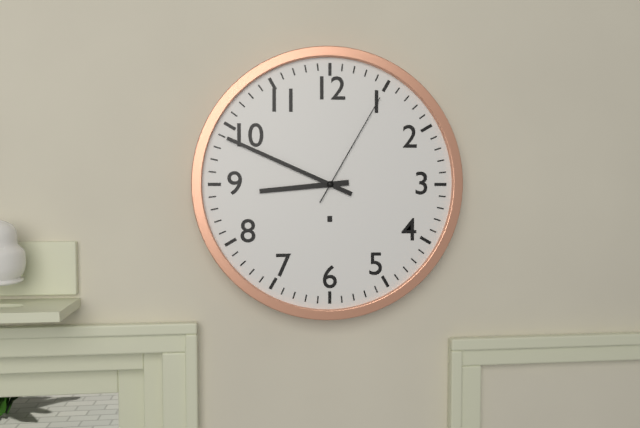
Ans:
h=8 m=49 s=5
